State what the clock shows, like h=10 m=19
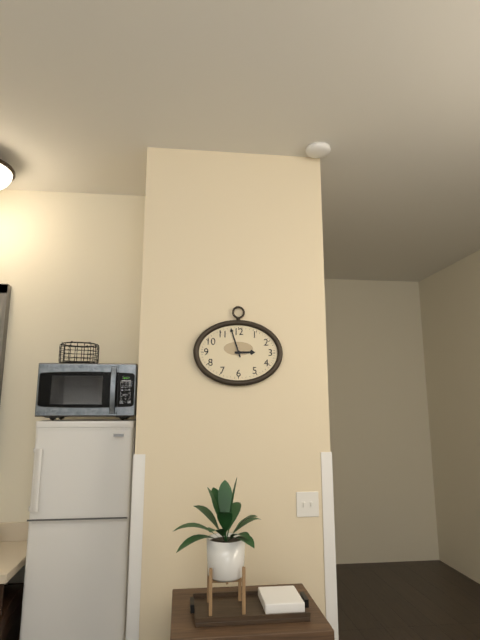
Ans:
h=2 m=57
